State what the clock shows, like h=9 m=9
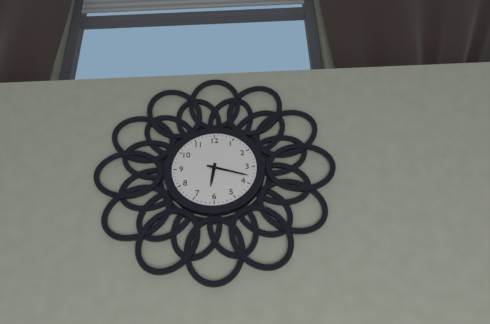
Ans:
h=6 m=18
